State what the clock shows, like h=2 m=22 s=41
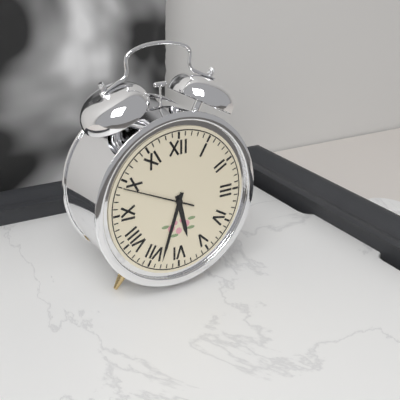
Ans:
h=5 m=33 s=49
